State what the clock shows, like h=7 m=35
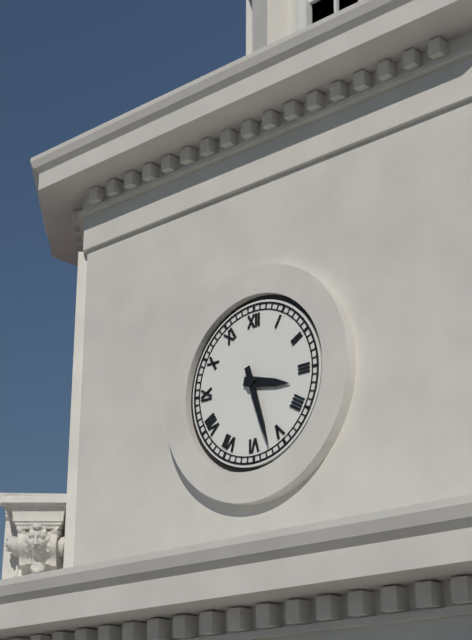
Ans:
h=3 m=27
